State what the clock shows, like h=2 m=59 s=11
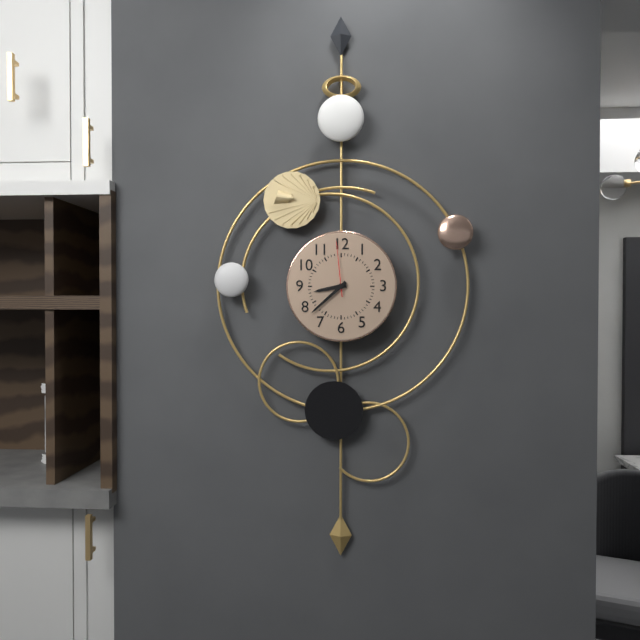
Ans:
h=8 m=38 s=59
